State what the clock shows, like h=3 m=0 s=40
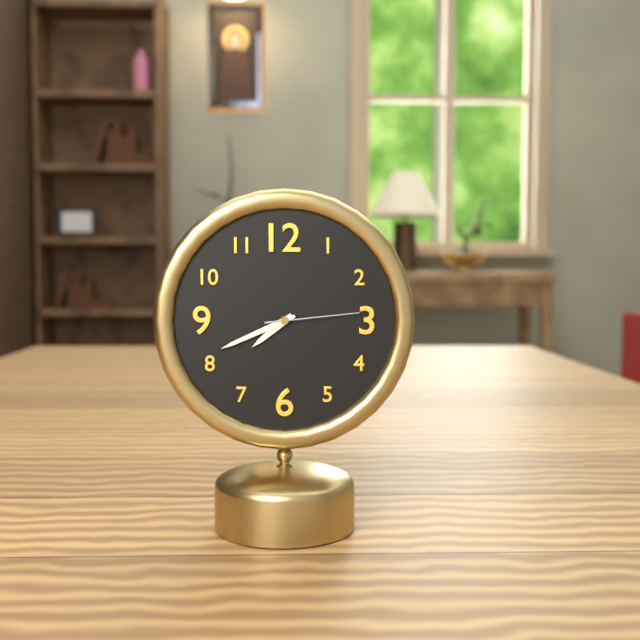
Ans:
h=7 m=41 s=14
